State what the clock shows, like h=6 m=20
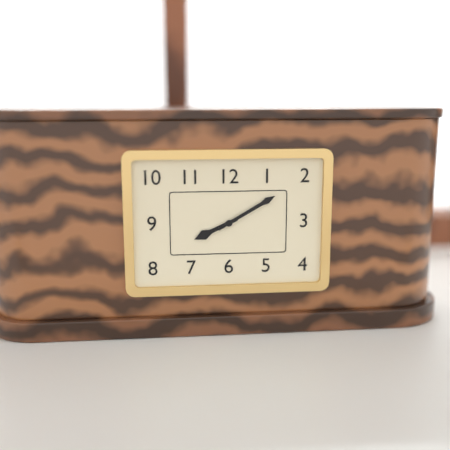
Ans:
h=8 m=10
